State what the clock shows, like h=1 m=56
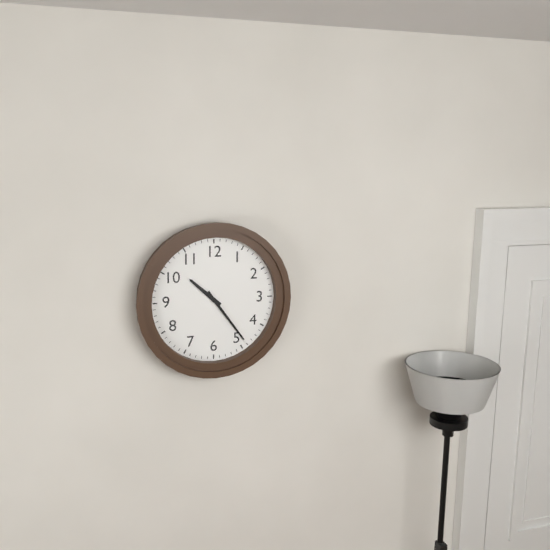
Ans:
h=10 m=24
